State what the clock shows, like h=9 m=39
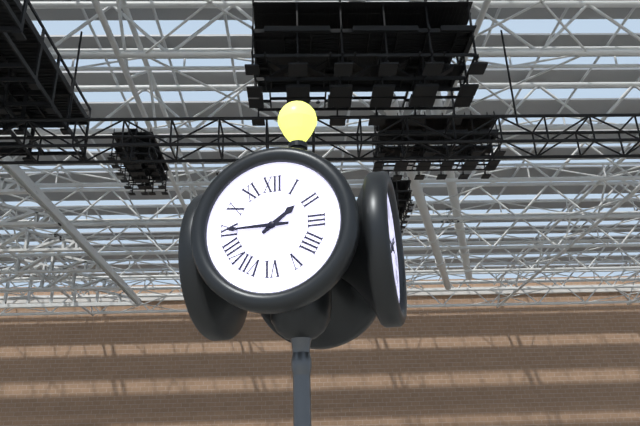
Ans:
h=1 m=45
